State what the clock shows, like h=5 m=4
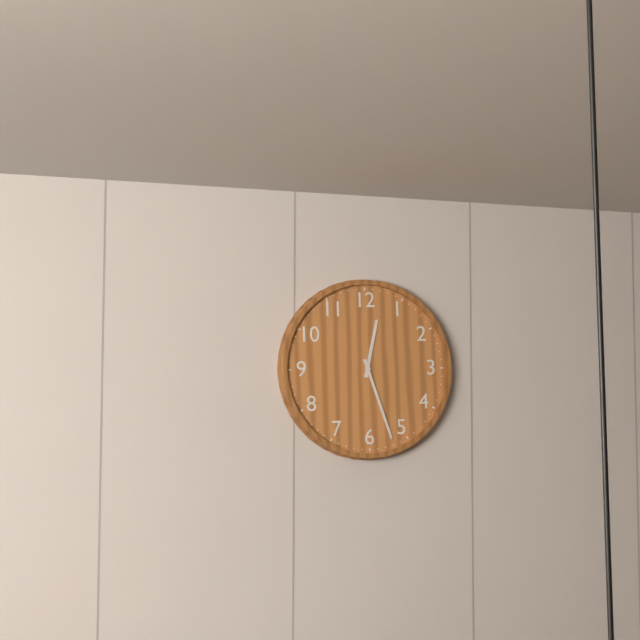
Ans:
h=12 m=27
